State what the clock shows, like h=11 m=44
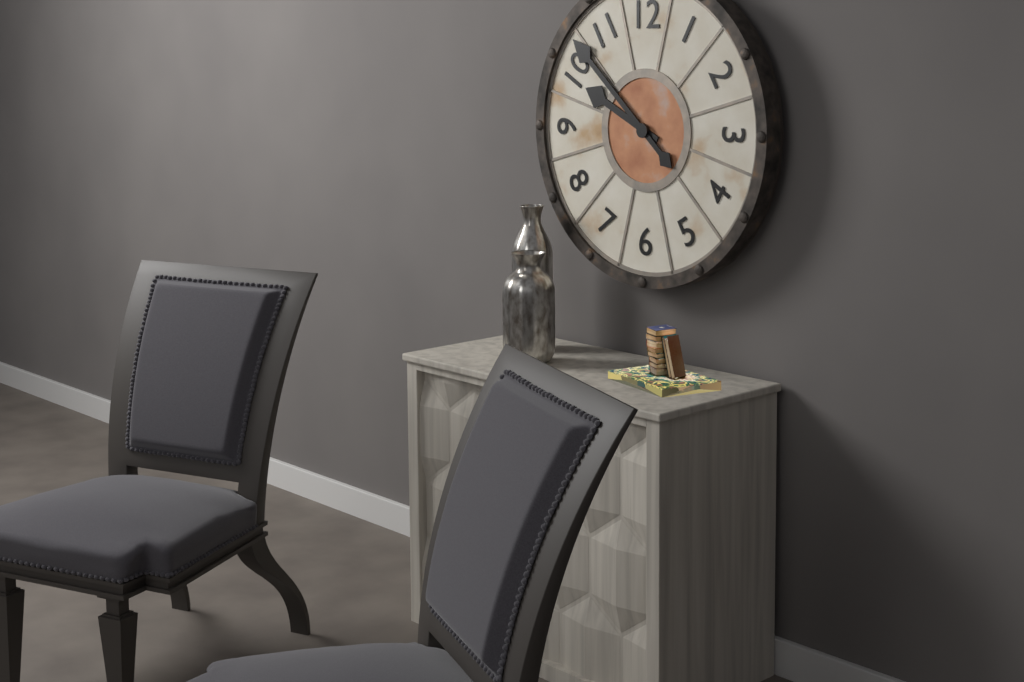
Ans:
h=9 m=52
